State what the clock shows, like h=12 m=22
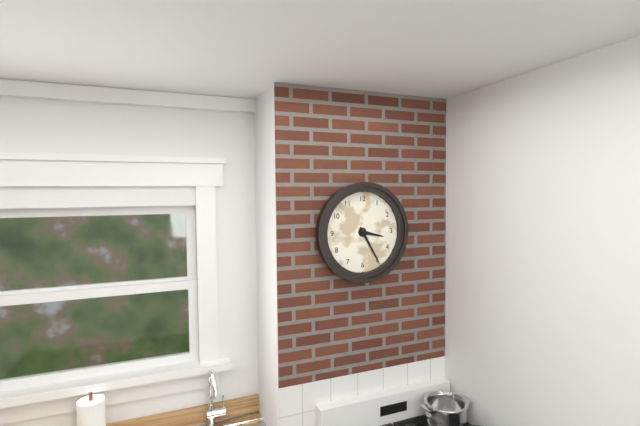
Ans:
h=3 m=25
